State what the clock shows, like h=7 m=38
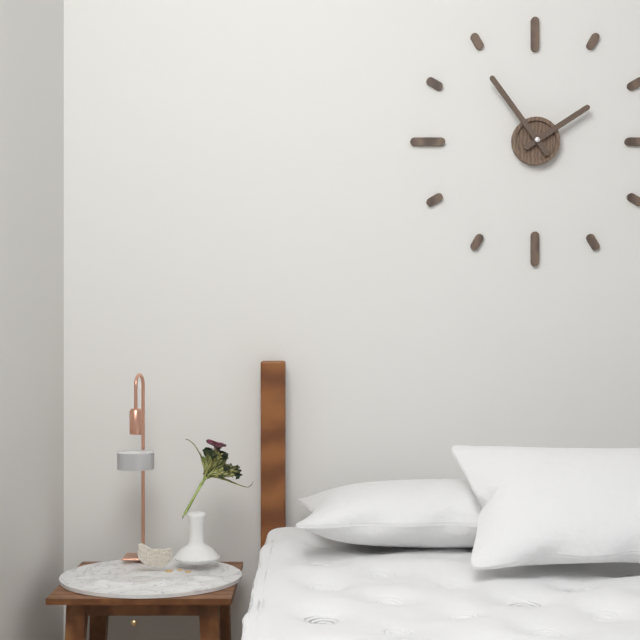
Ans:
h=1 m=54
